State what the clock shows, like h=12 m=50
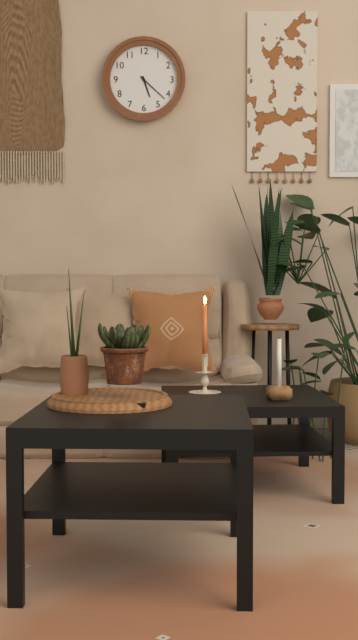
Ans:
h=5 m=22
